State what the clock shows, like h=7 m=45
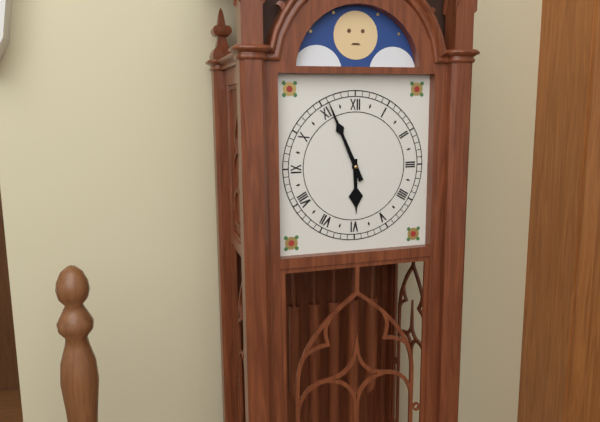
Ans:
h=5 m=56
